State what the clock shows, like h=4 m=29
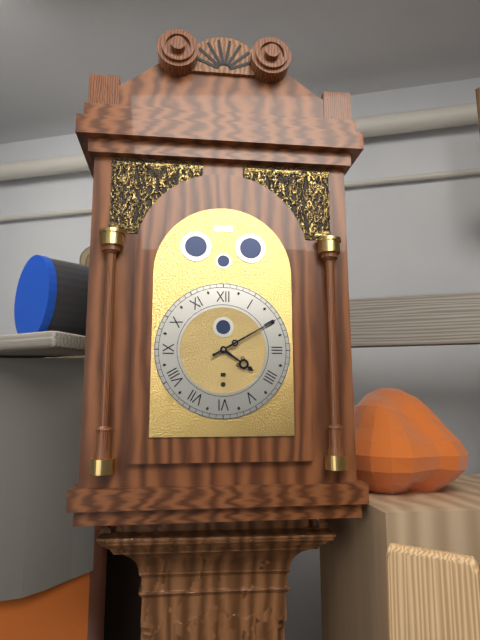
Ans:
h=4 m=10
